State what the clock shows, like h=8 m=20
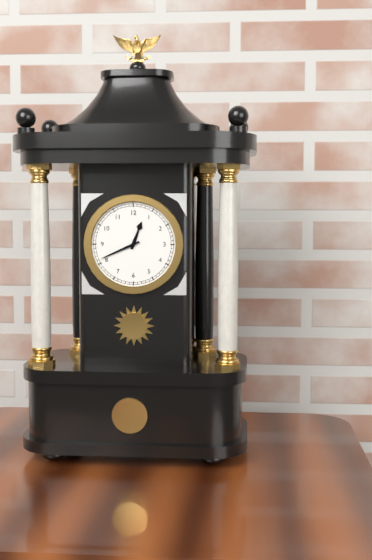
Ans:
h=12 m=41
